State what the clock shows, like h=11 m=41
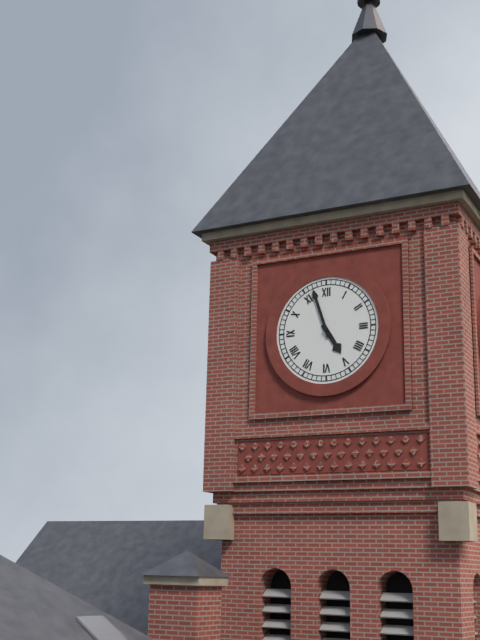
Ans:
h=4 m=57
